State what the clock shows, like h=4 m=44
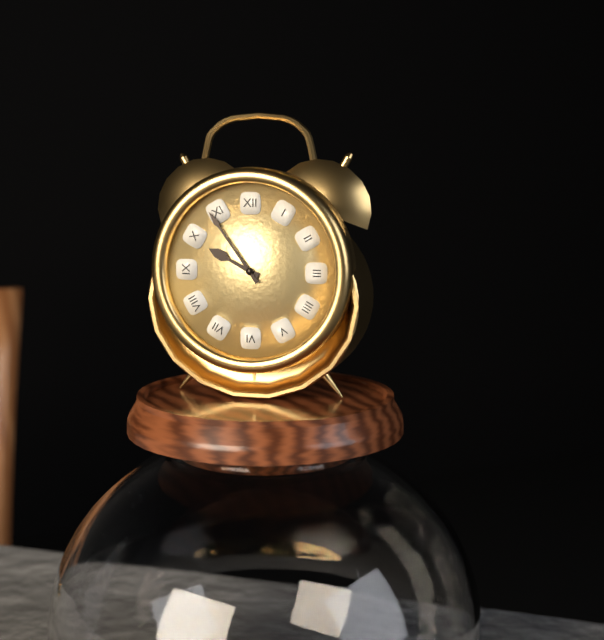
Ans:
h=9 m=54
